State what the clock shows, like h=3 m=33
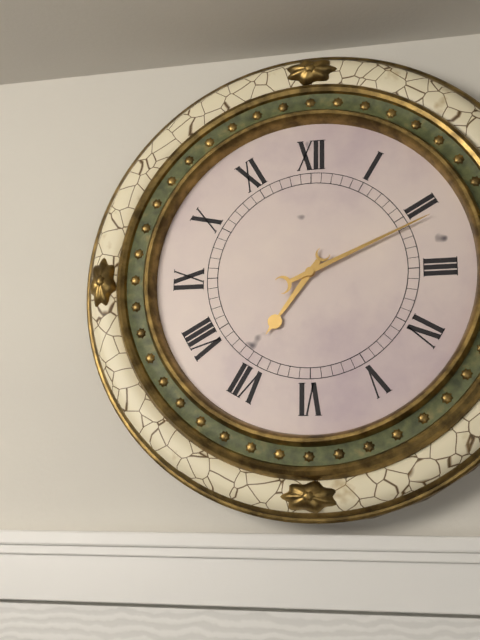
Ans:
h=7 m=11
